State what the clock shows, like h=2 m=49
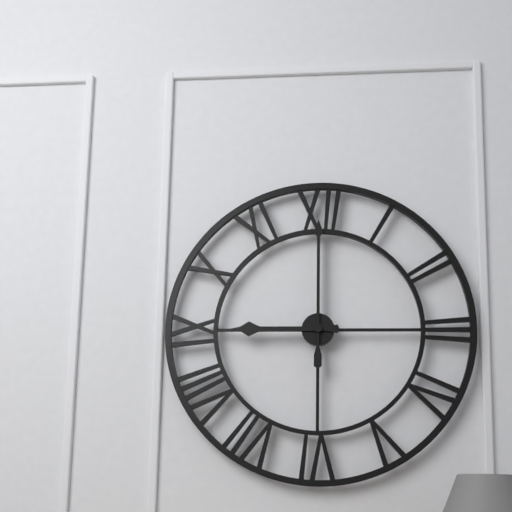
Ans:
h=9 m=0
